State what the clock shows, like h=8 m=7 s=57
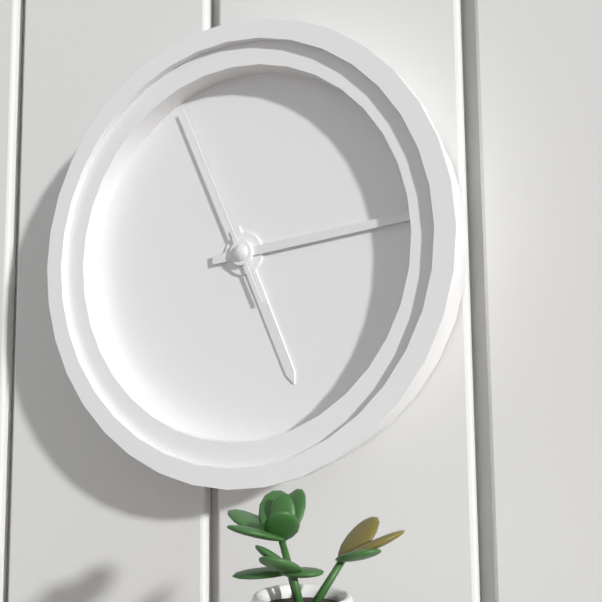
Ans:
h=5 m=14 s=56
